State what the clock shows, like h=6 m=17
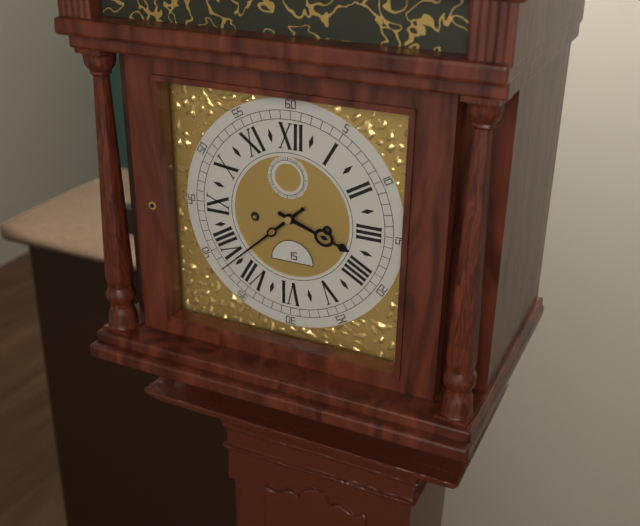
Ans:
h=3 m=38
